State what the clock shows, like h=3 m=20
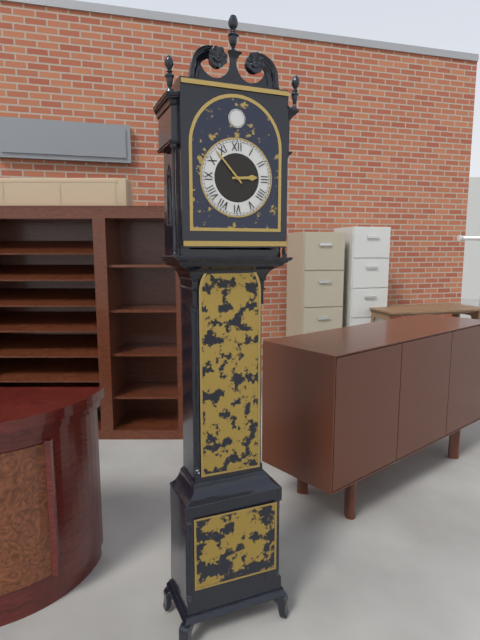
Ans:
h=2 m=53
